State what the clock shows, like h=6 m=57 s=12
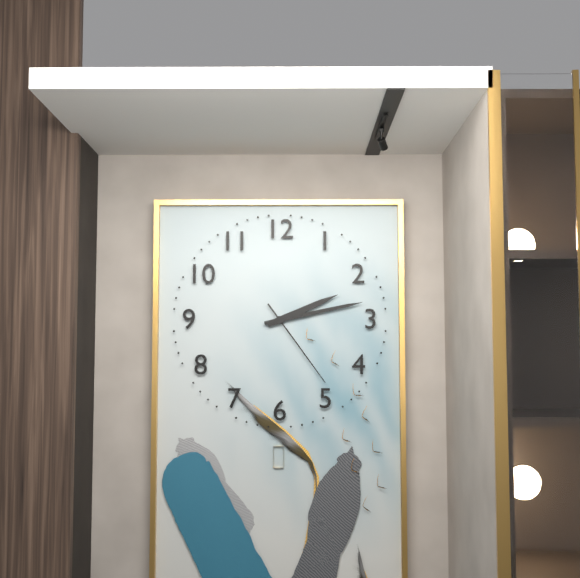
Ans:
h=2 m=13 s=24
